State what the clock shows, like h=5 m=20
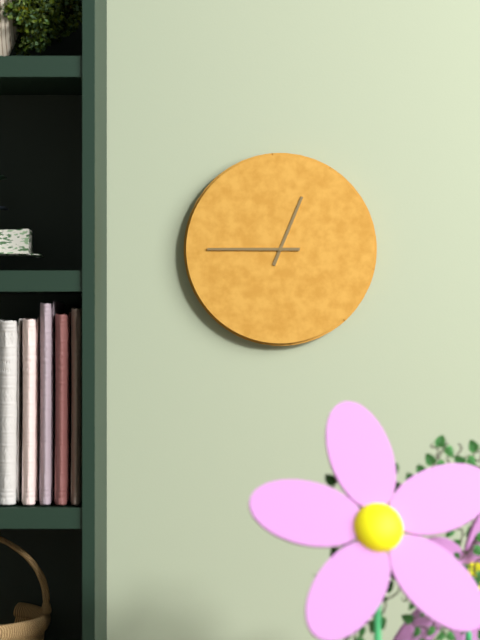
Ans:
h=12 m=45
